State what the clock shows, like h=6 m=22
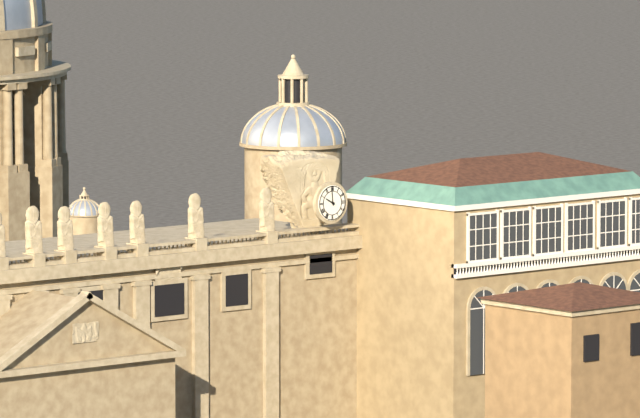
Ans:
h=9 m=59
